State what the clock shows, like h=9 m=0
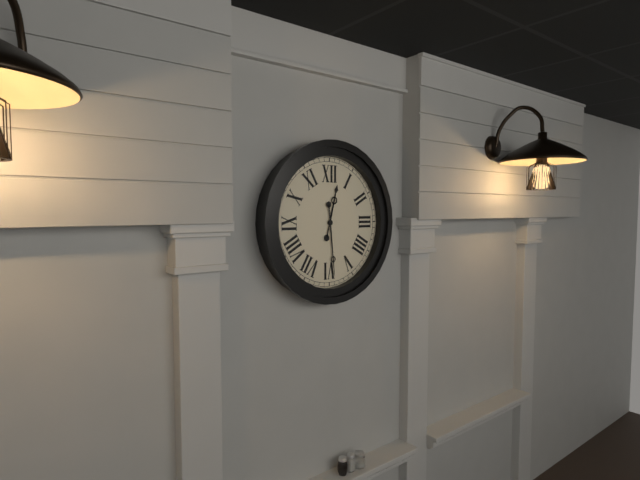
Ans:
h=12 m=29
